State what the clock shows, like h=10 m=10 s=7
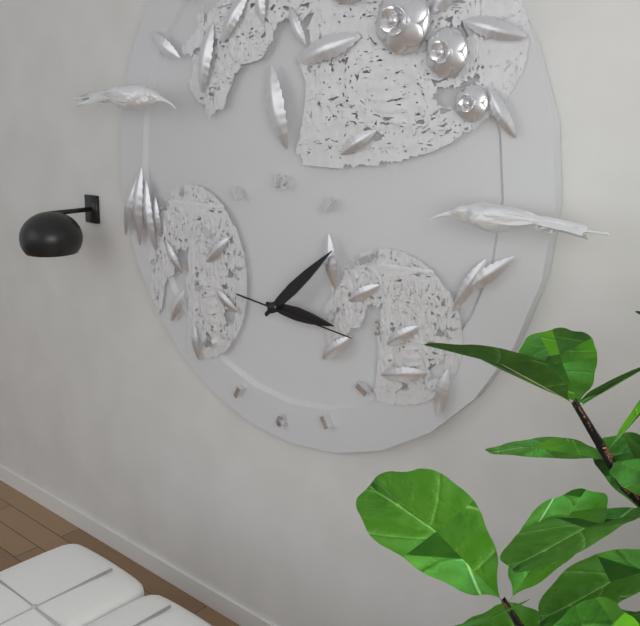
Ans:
h=3 m=8 s=16
